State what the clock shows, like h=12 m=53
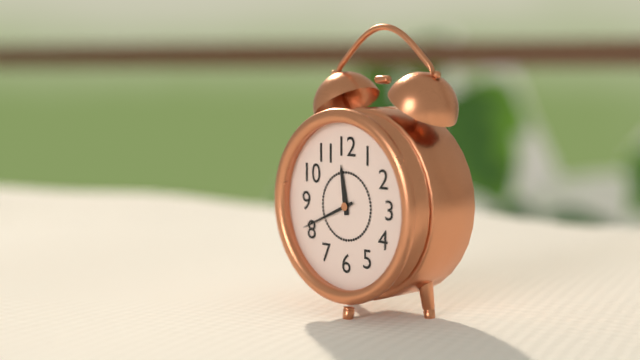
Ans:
h=11 m=41
